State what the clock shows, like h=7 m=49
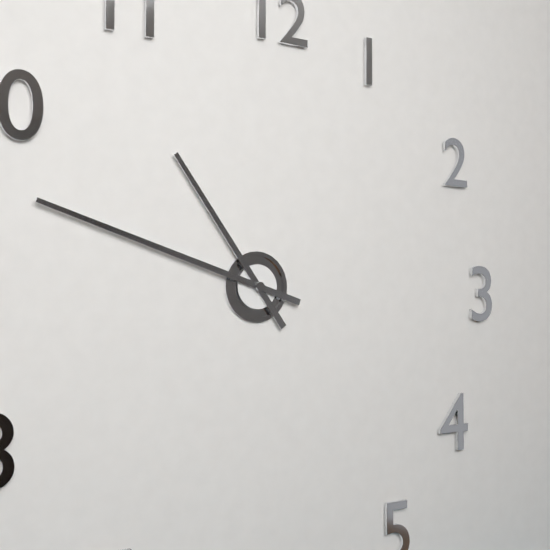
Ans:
h=10 m=48
